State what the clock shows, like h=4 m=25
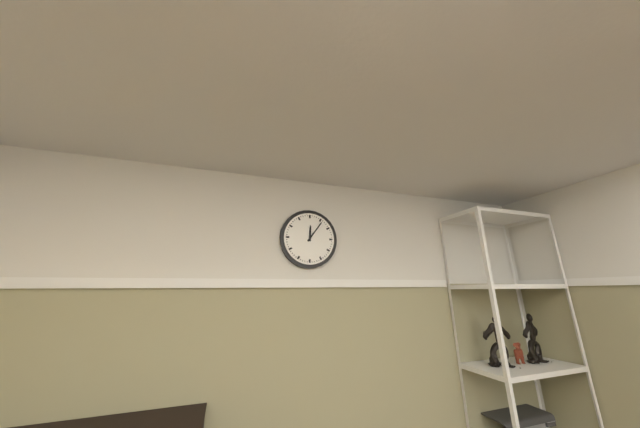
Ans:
h=12 m=6
